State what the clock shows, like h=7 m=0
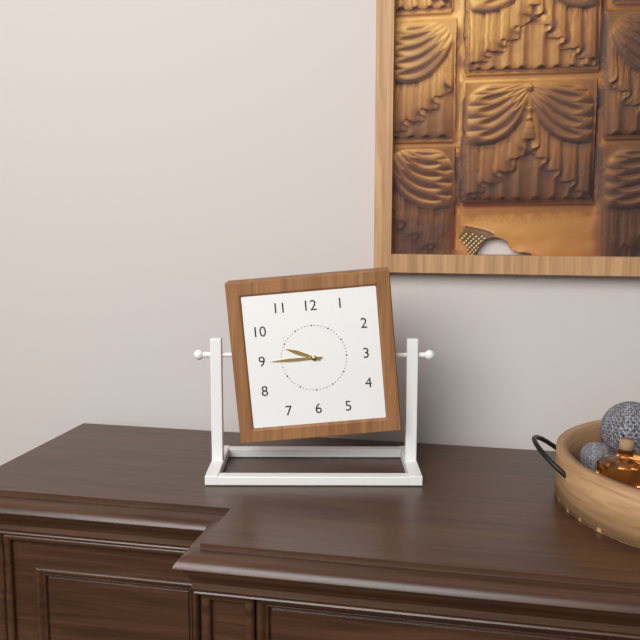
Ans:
h=9 m=45
